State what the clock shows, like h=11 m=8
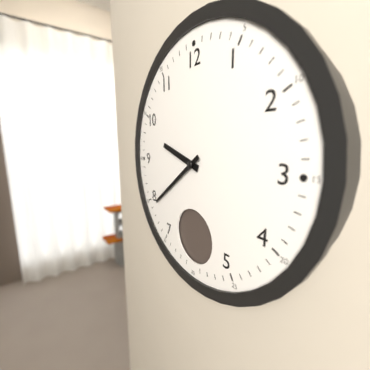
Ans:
h=9 m=39
